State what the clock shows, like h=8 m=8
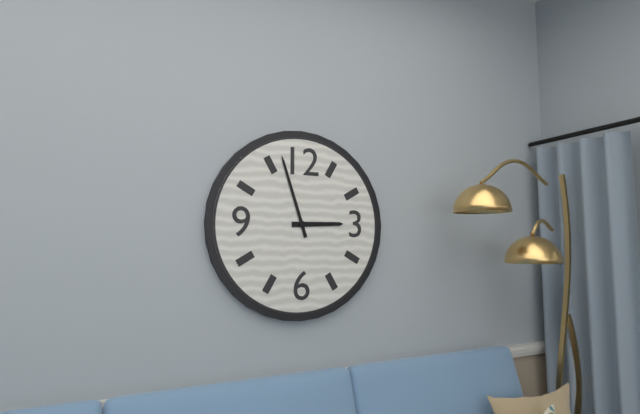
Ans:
h=2 m=57
